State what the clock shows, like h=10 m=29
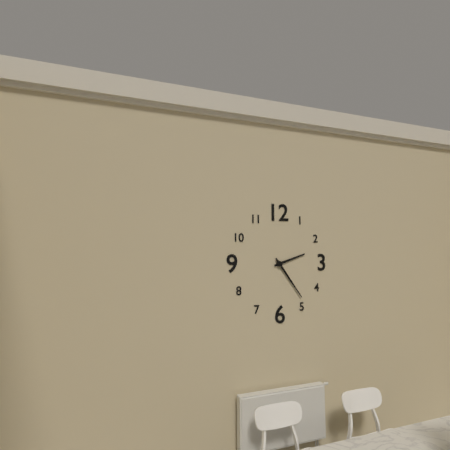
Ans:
h=2 m=24
